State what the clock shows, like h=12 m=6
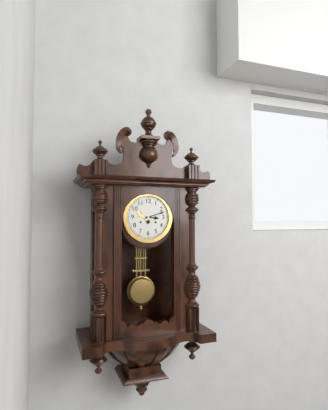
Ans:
h=3 m=12
